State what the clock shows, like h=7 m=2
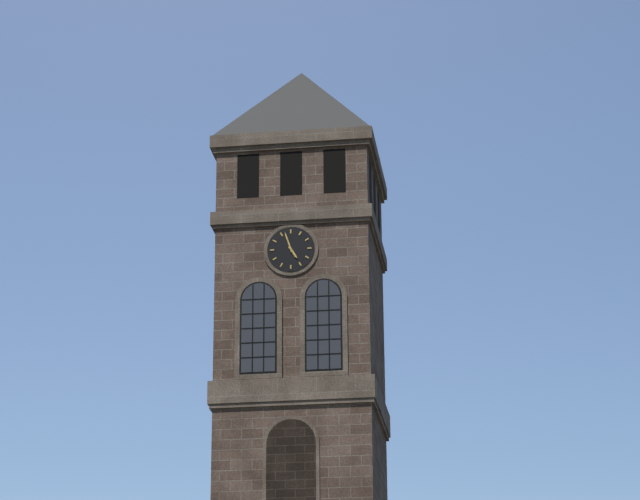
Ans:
h=4 m=57
